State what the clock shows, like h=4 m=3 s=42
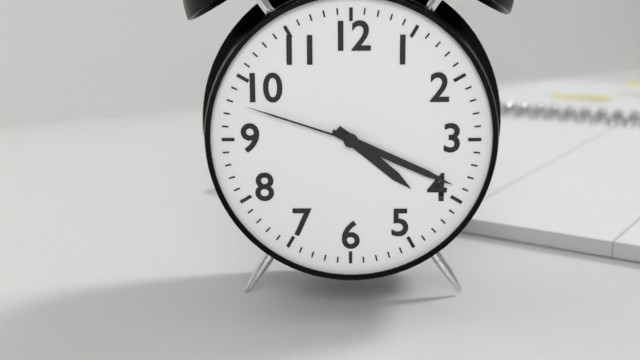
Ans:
h=4 m=19 s=48
